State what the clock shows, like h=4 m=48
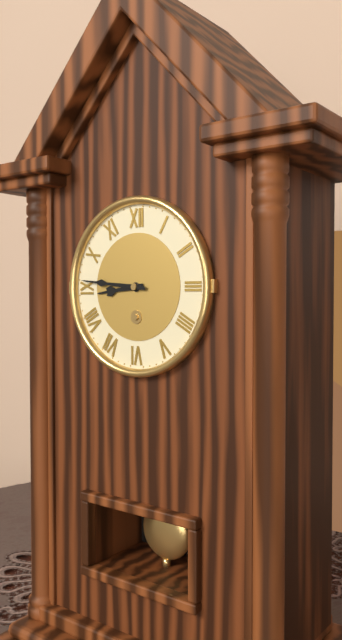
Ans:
h=8 m=46
